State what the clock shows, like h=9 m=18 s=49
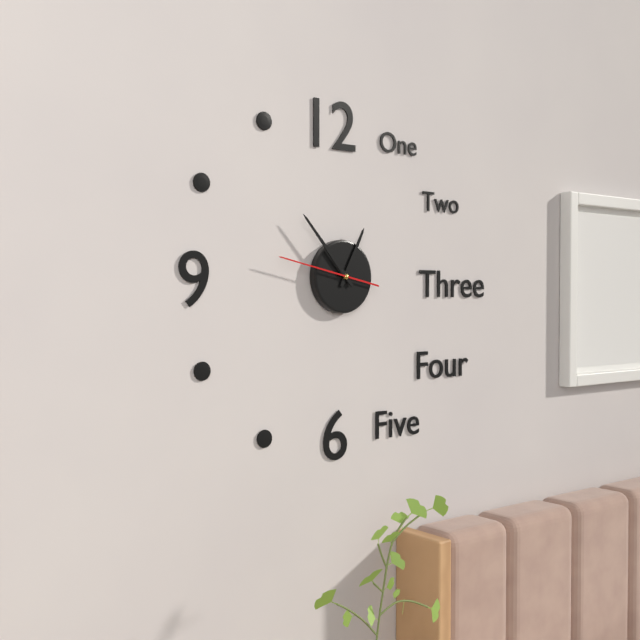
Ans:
h=12 m=53 s=47
